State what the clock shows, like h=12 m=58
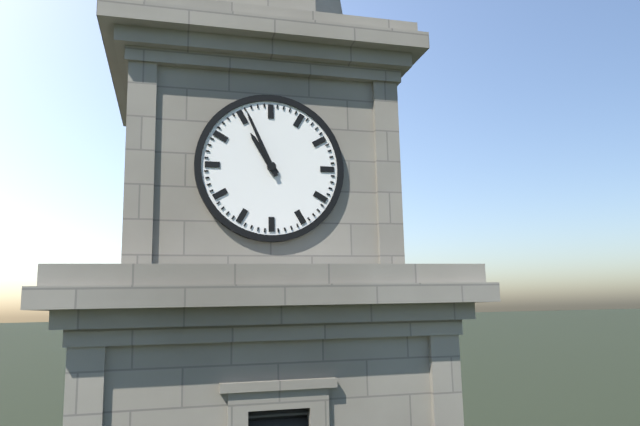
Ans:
h=10 m=56
